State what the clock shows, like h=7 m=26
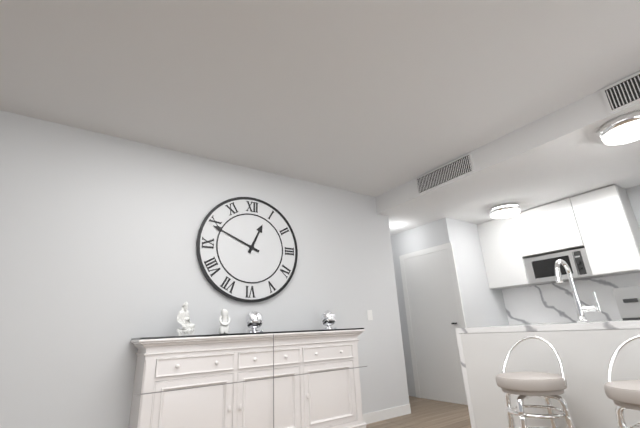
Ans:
h=12 m=49
